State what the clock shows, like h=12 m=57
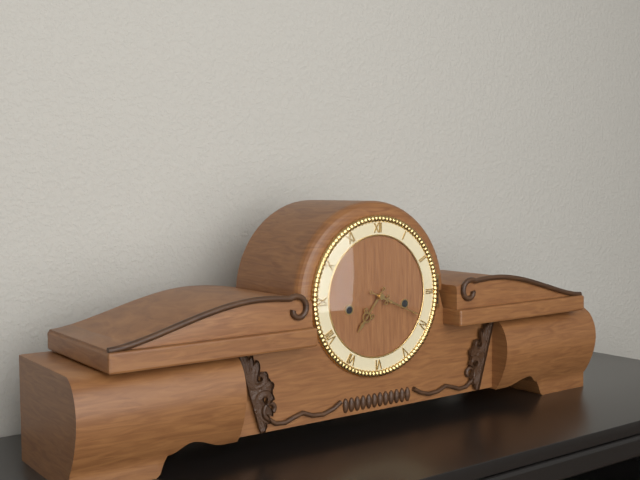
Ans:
h=7 m=19
